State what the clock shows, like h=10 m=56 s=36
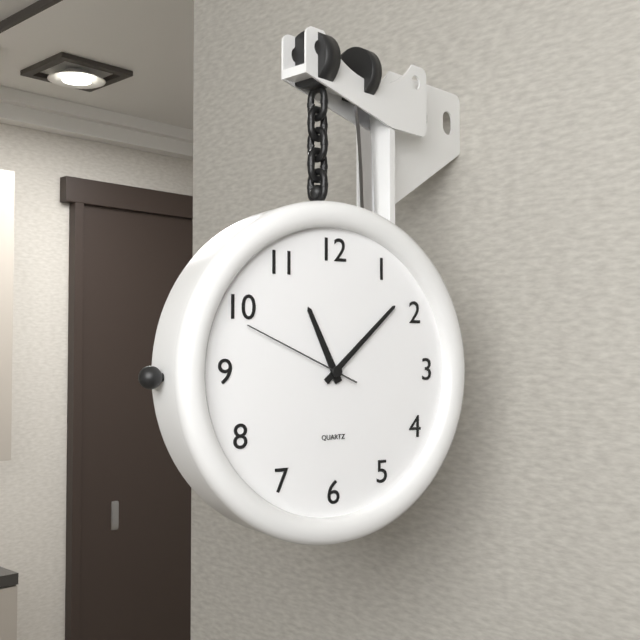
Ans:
h=11 m=8 s=49
